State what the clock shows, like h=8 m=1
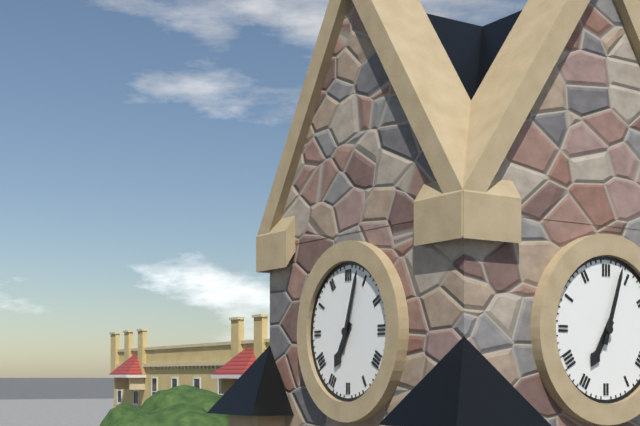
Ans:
h=7 m=3
